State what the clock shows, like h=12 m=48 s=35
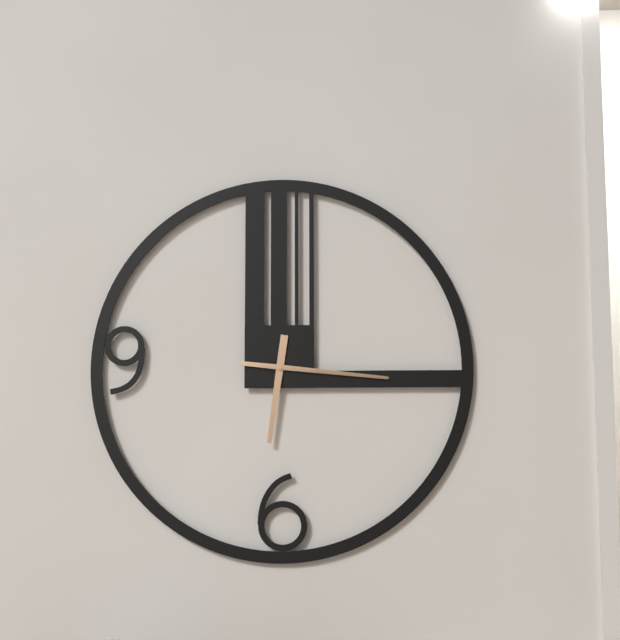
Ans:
h=6 m=16 s=16
